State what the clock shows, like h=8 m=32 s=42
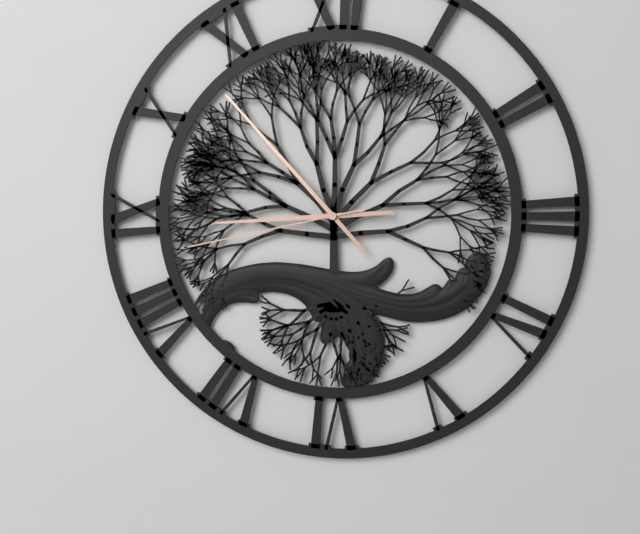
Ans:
h=8 m=53 s=43
